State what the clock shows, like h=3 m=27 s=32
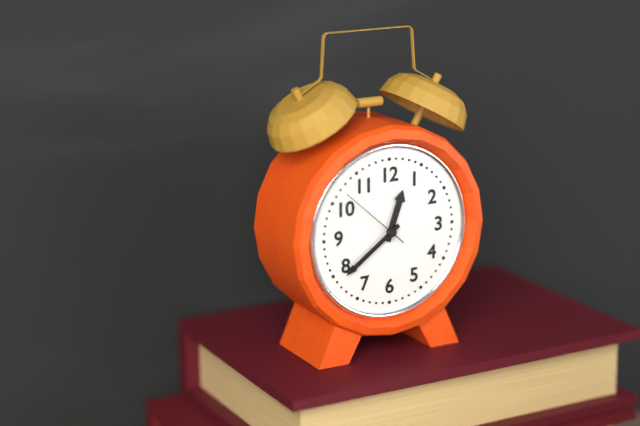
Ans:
h=12 m=39 s=52
